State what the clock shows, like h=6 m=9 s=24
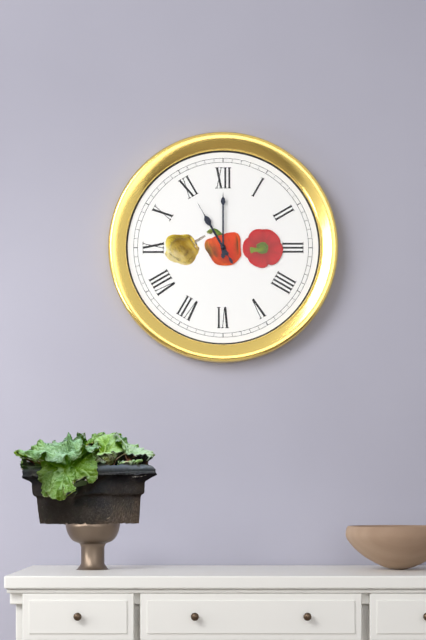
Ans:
h=11 m=0 s=55
